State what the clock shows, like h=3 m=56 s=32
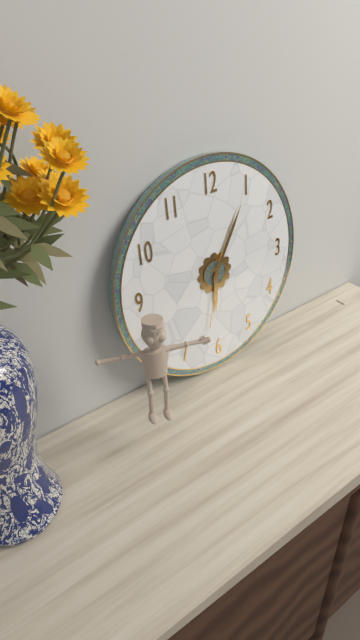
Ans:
h=6 m=5 s=32
